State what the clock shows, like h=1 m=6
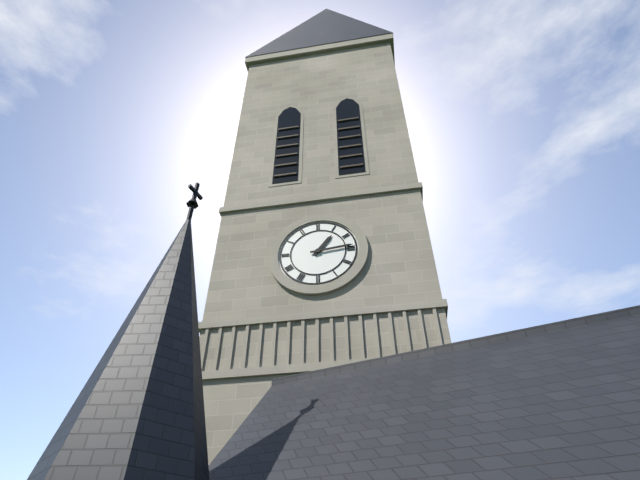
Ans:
h=1 m=14
